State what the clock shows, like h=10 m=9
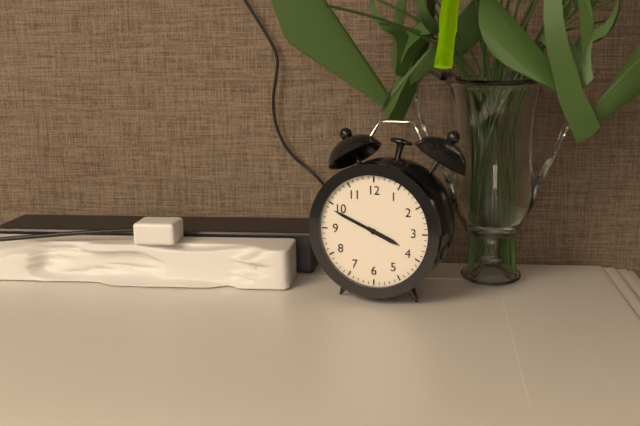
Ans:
h=3 m=49
